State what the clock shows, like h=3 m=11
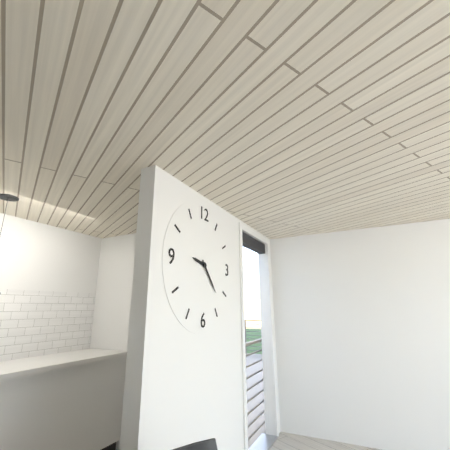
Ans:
h=9 m=23
